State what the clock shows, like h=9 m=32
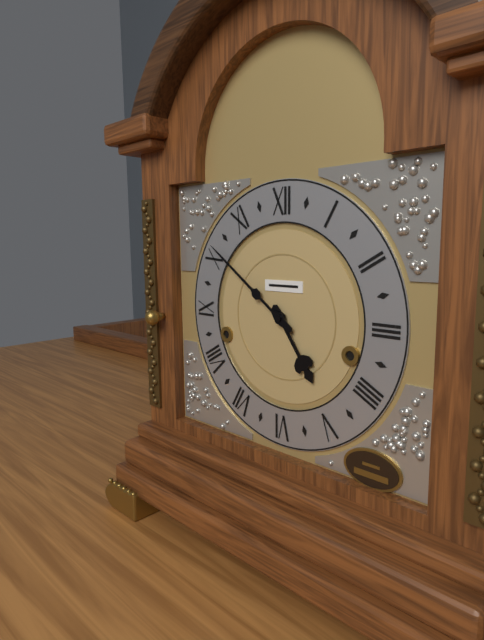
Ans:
h=4 m=51
